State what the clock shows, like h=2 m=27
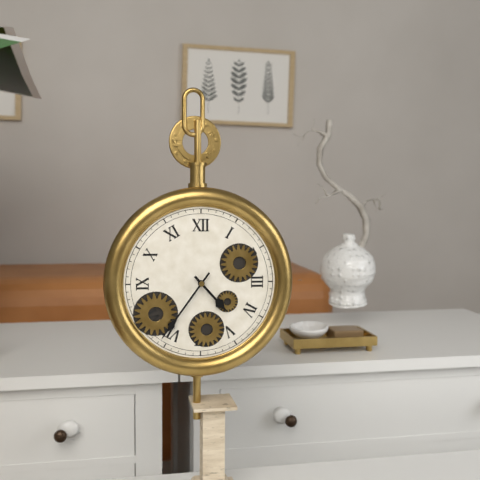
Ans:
h=4 m=36
